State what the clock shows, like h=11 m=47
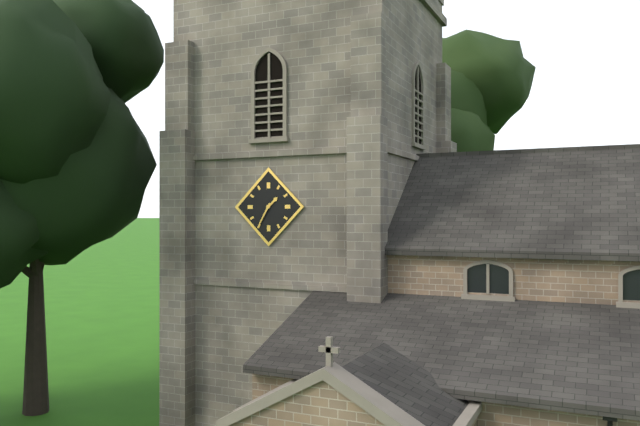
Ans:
h=1 m=35
